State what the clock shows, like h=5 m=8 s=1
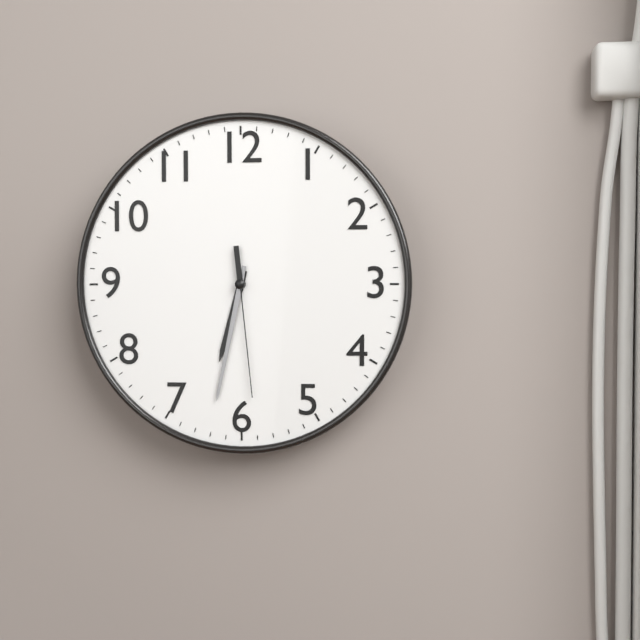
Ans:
h=6 m=32 s=29
